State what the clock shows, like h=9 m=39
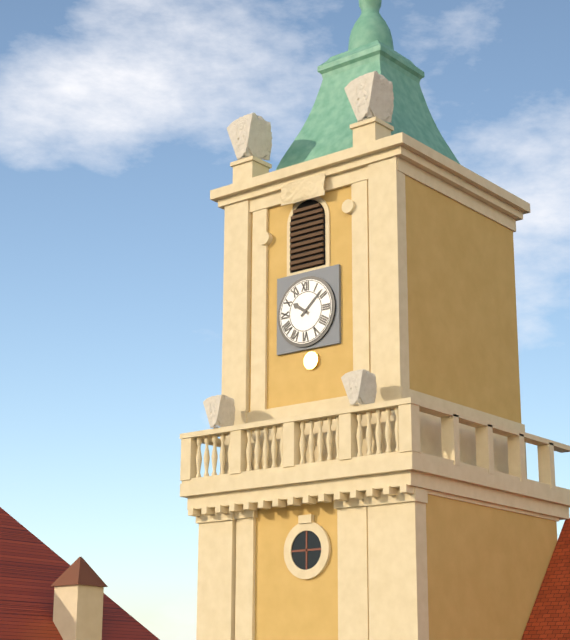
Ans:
h=10 m=8
